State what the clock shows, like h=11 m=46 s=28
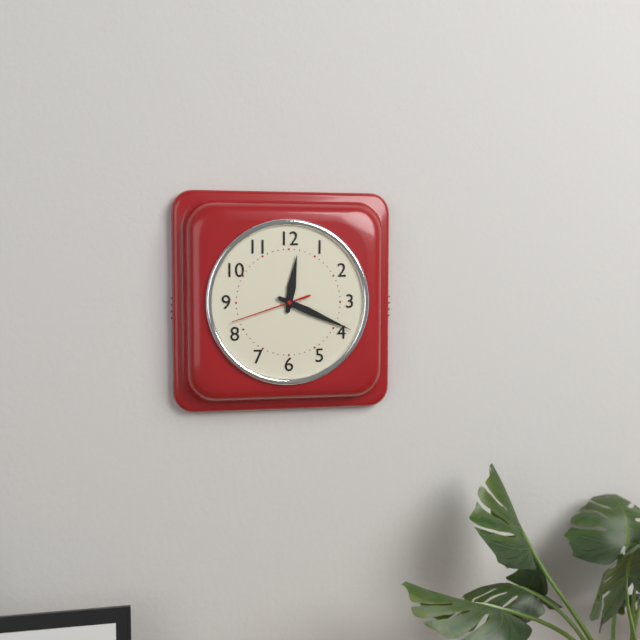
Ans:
h=12 m=19 s=42
